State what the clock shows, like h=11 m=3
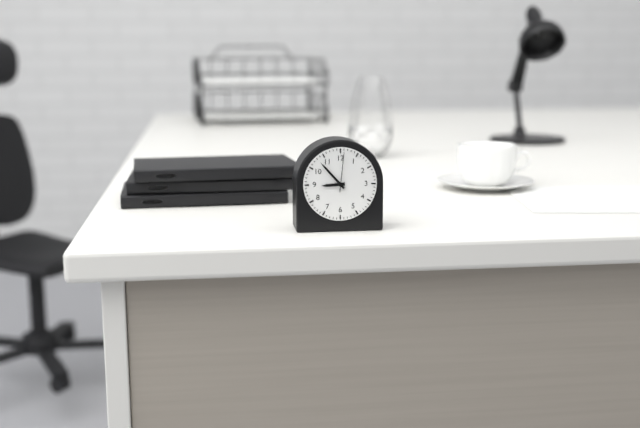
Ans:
h=8 m=53
